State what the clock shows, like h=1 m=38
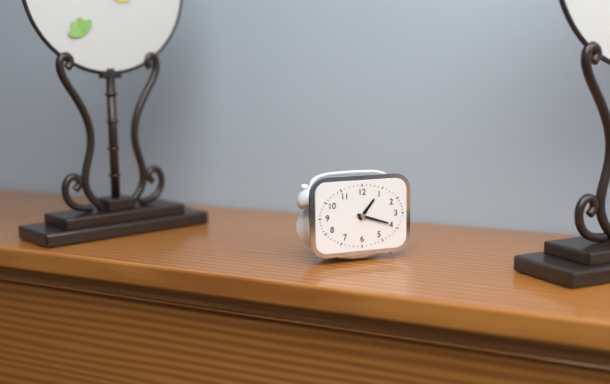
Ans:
h=1 m=18
